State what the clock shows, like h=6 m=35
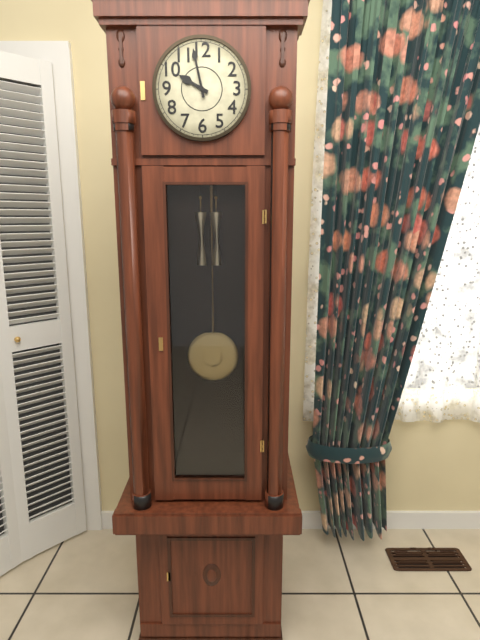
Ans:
h=9 m=58
